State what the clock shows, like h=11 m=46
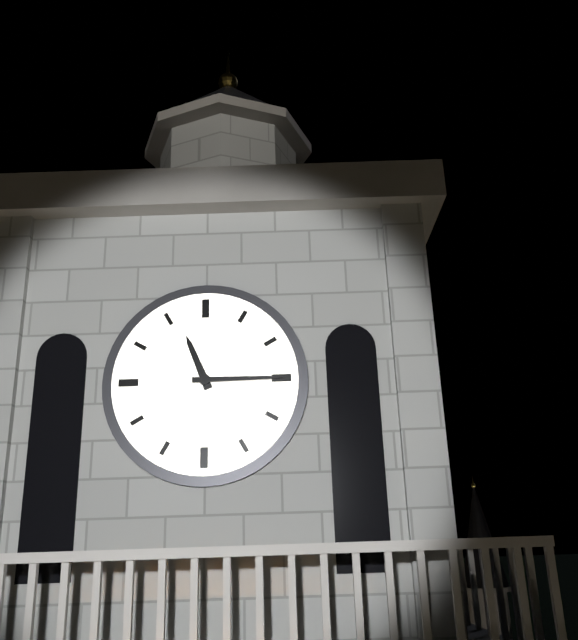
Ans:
h=11 m=15
